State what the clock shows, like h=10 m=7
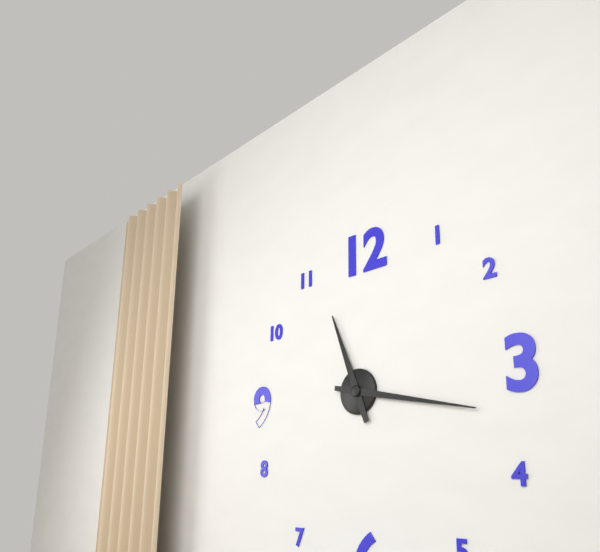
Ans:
h=11 m=17
